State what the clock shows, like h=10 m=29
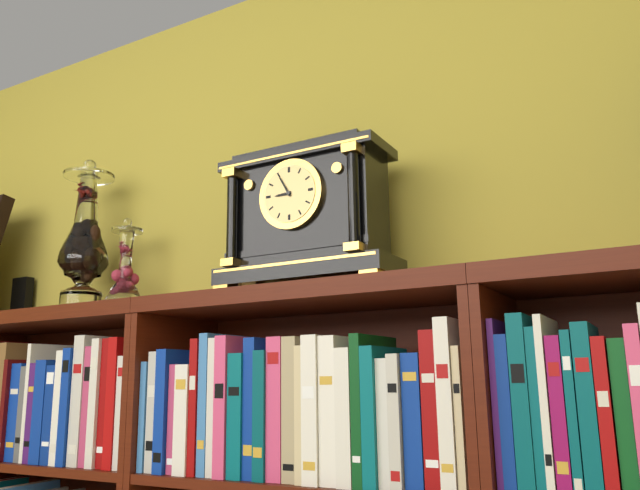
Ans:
h=8 m=55
